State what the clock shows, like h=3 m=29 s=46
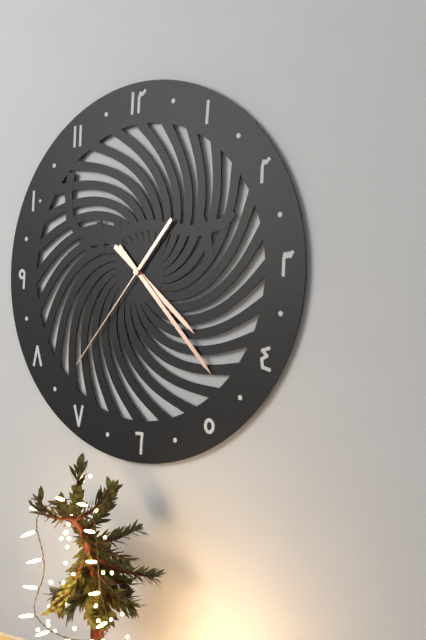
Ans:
h=4 m=23 s=37
